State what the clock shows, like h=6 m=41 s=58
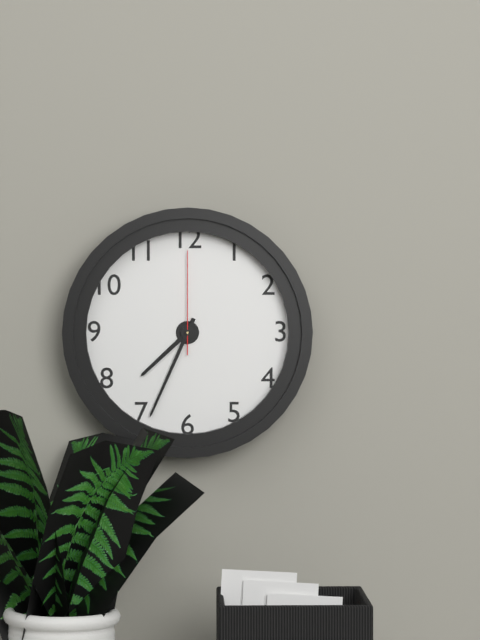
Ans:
h=7 m=34 s=0
